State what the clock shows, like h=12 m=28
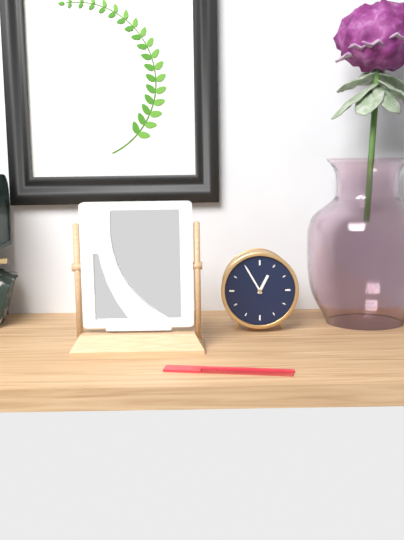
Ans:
h=12 m=55
